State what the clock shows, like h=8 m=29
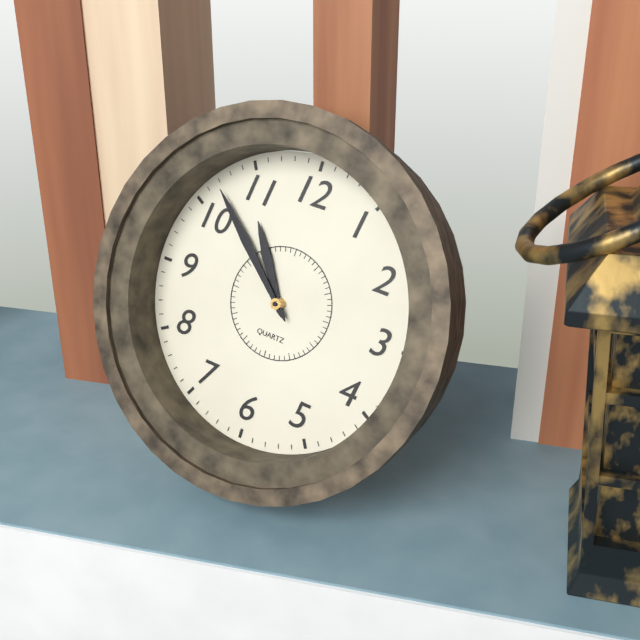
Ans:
h=10 m=52
